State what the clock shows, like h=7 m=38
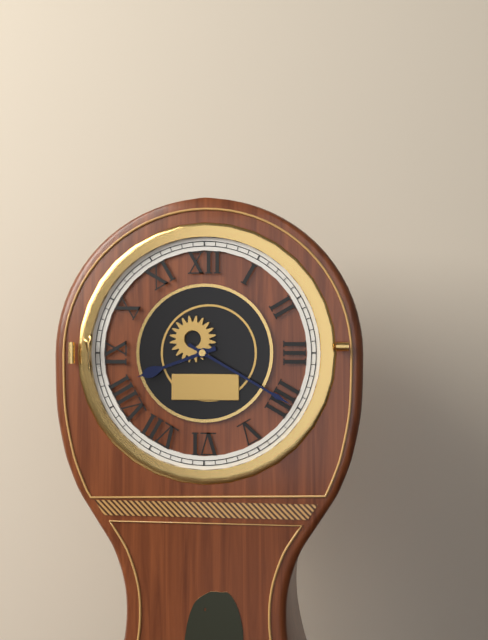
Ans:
h=8 m=20
